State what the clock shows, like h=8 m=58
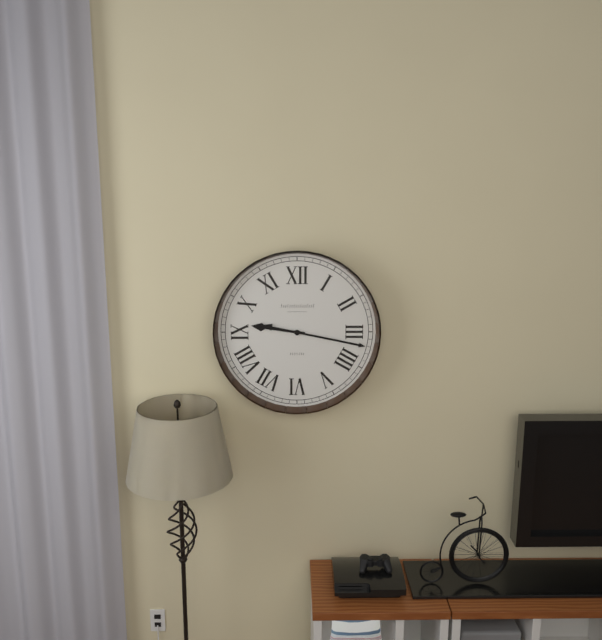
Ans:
h=9 m=17
